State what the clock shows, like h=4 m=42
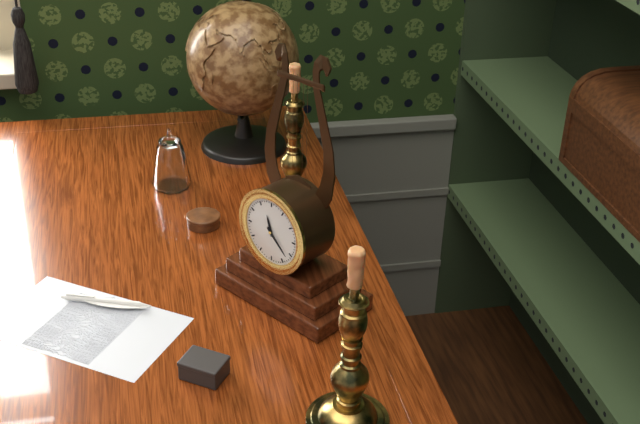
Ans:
h=11 m=22
